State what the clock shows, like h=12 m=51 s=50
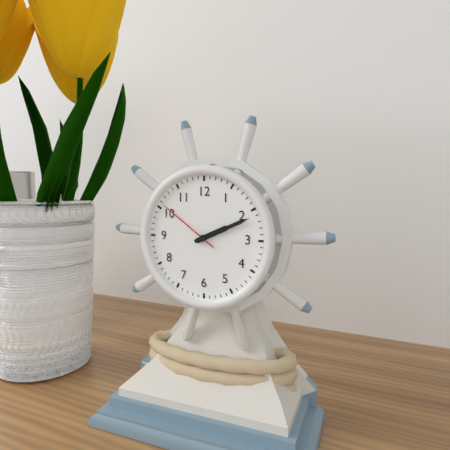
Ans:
h=2 m=11 s=51
